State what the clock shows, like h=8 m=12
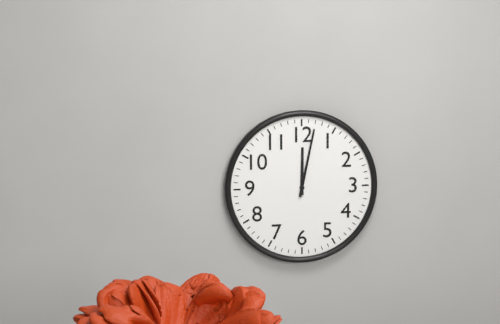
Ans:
h=12 m=2
